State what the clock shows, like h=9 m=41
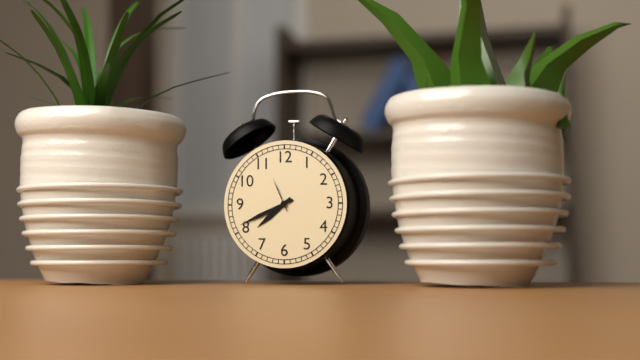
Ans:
h=7 m=41
